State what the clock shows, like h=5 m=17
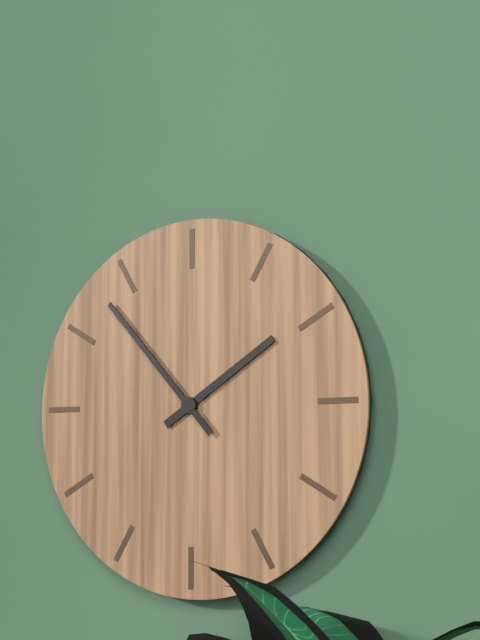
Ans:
h=1 m=53
